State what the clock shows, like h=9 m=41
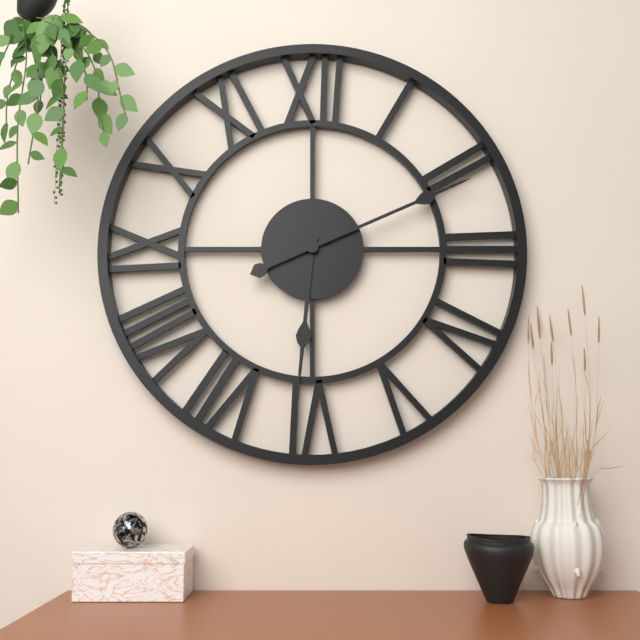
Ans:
h=6 m=11
